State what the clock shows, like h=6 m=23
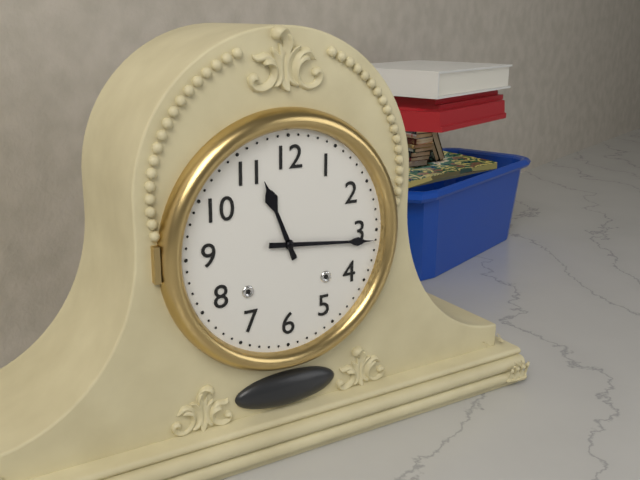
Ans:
h=11 m=16
